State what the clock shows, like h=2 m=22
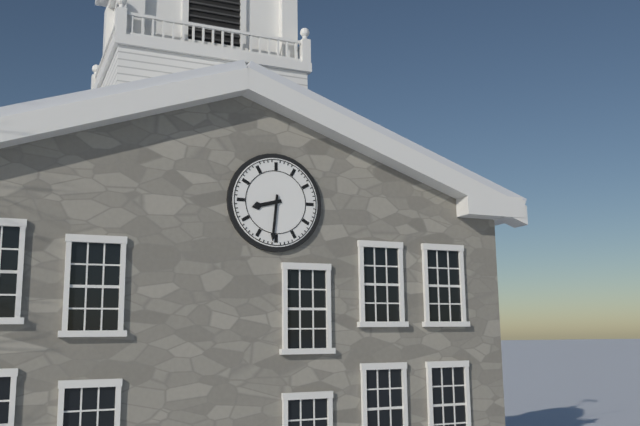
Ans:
h=8 m=31
